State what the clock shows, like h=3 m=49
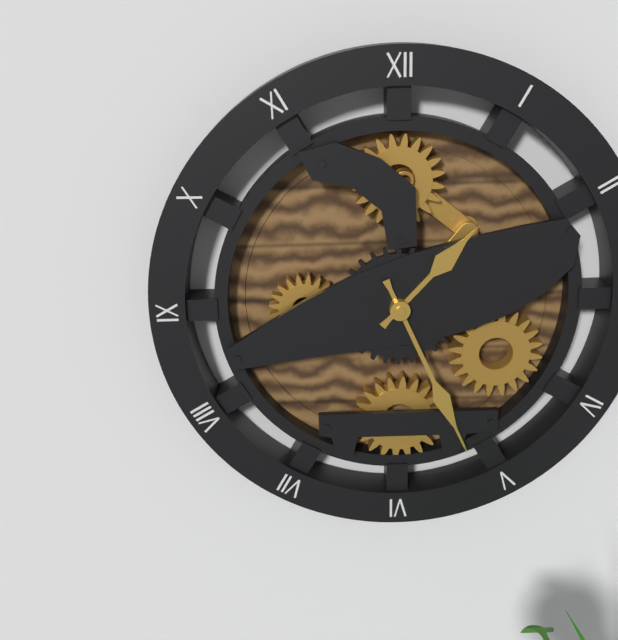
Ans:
h=1 m=26
